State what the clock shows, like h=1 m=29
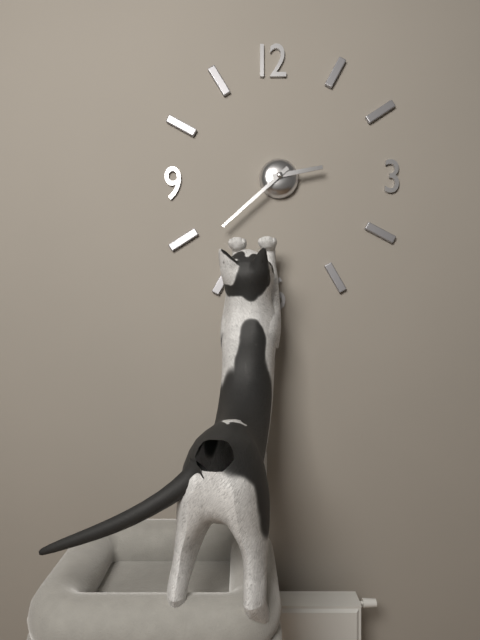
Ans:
h=2 m=38
